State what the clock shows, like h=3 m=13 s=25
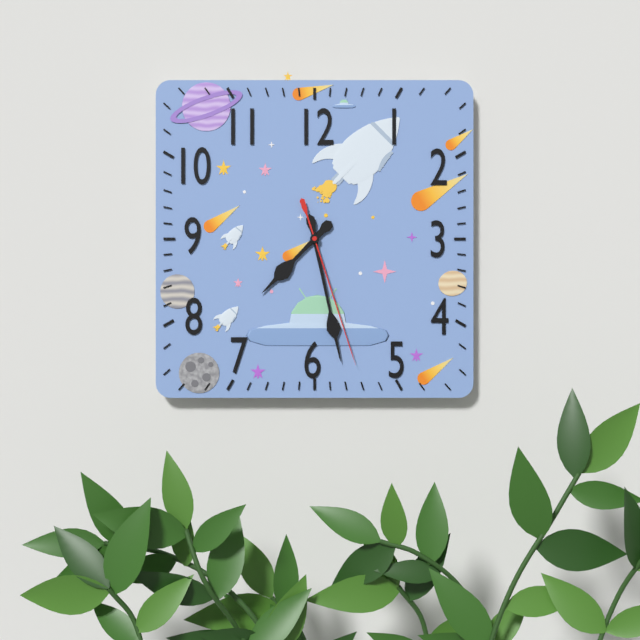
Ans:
h=7 m=28 s=27
